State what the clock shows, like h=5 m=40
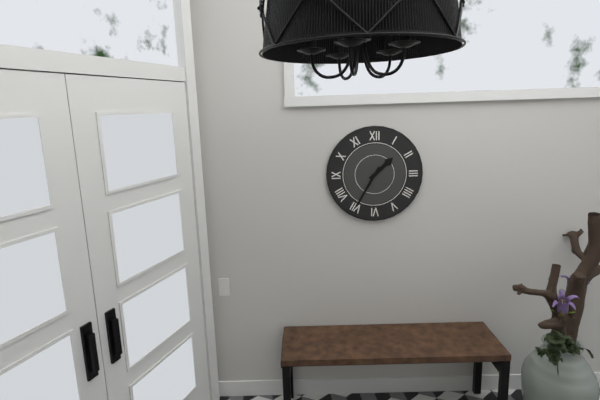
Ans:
h=1 m=35
